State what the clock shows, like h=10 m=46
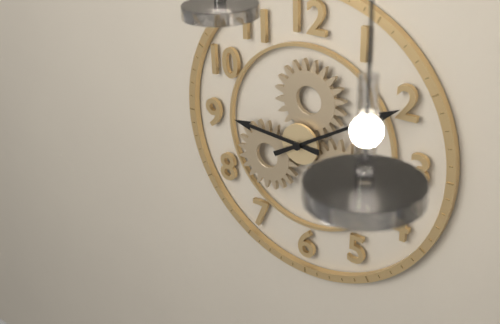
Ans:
h=9 m=10
